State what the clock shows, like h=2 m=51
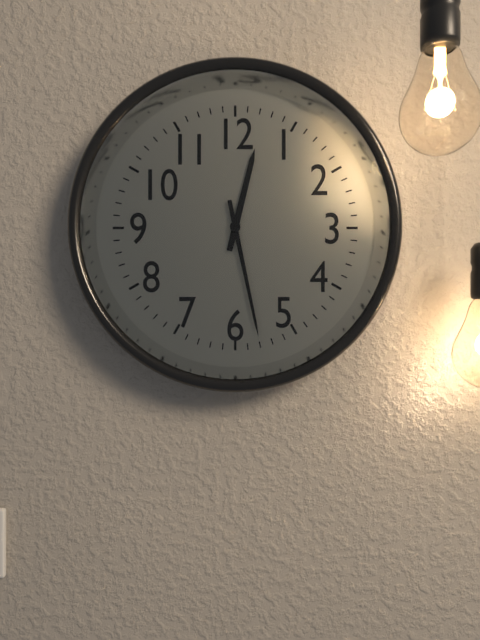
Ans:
h=12 m=28
